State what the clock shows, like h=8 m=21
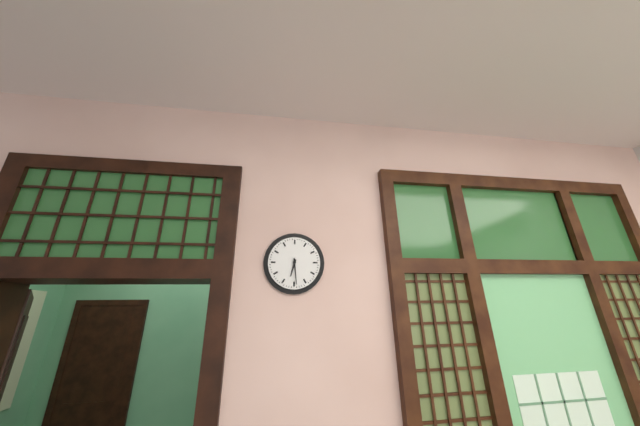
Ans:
h=6 m=29
